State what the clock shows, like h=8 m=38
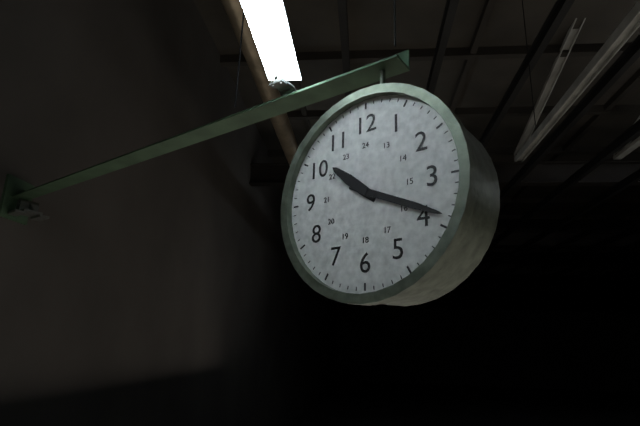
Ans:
h=10 m=19
